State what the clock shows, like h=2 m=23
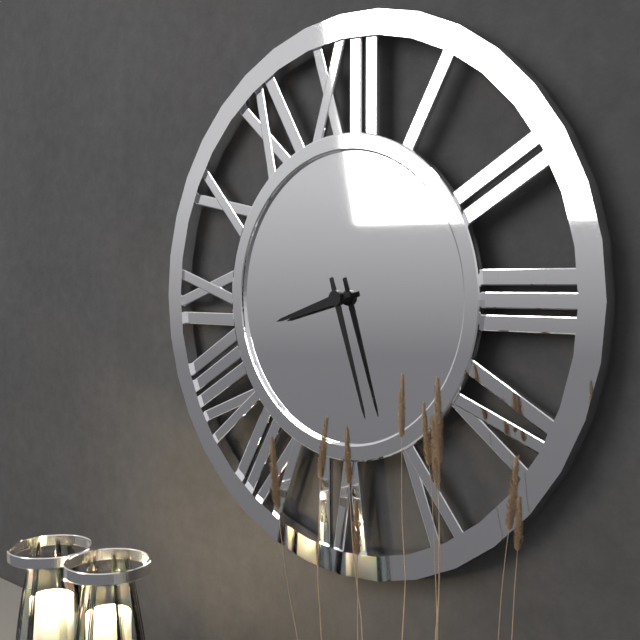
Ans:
h=8 m=27
